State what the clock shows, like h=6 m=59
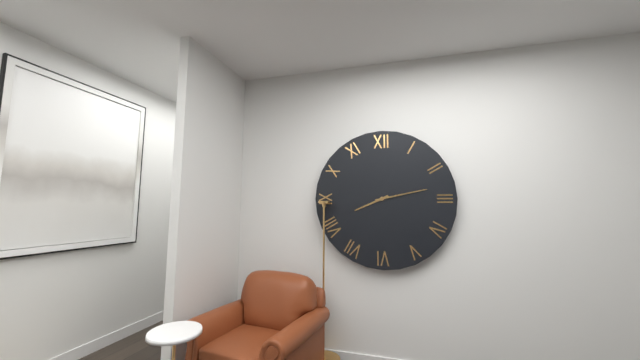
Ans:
h=8 m=13
